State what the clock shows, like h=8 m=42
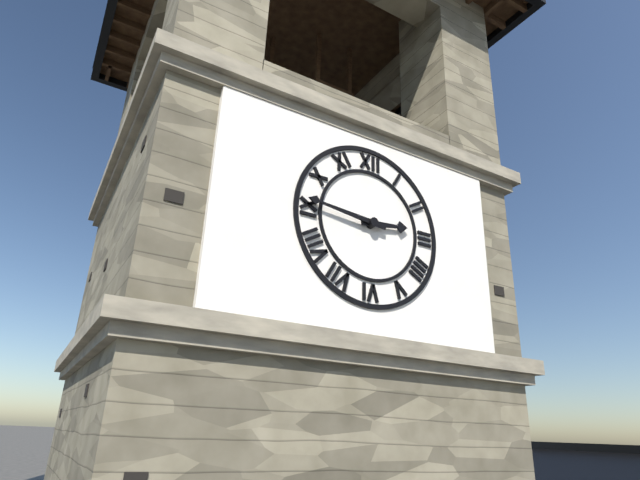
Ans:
h=2 m=46
